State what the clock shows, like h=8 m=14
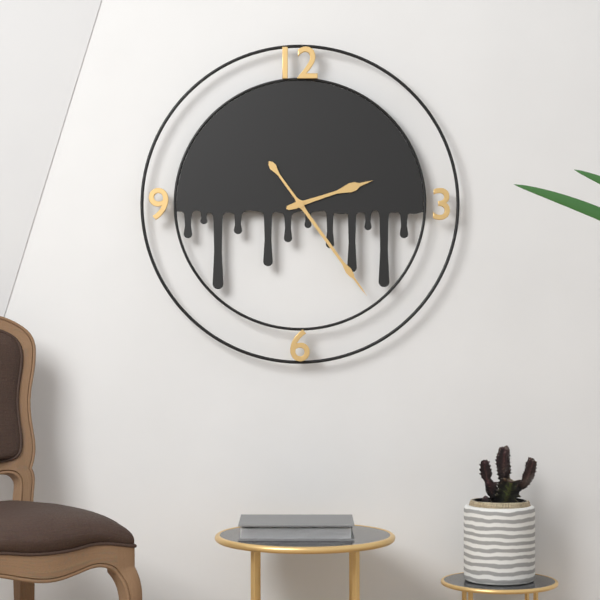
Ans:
h=2 m=24
